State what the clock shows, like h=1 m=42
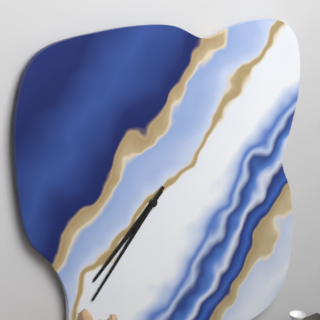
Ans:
h=7 m=37
